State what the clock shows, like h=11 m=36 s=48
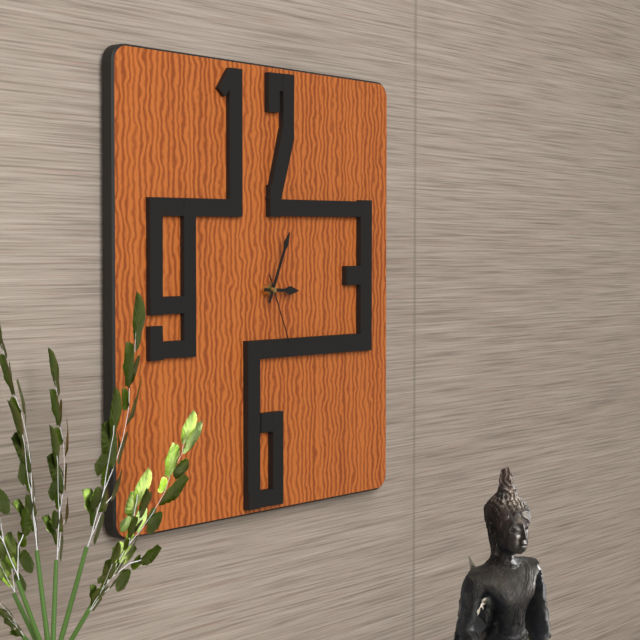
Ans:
h=3 m=4 s=26
